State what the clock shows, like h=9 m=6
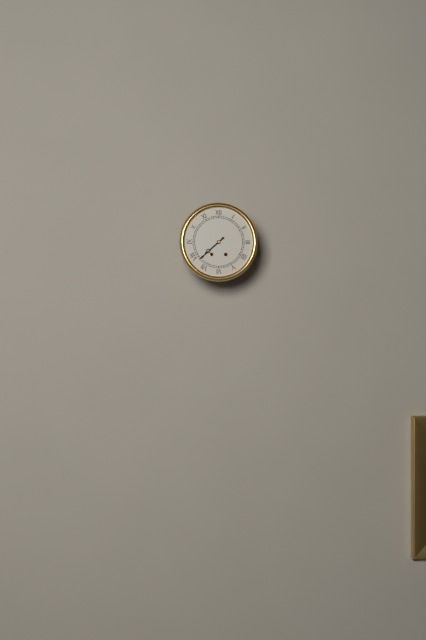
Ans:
h=7 m=38
